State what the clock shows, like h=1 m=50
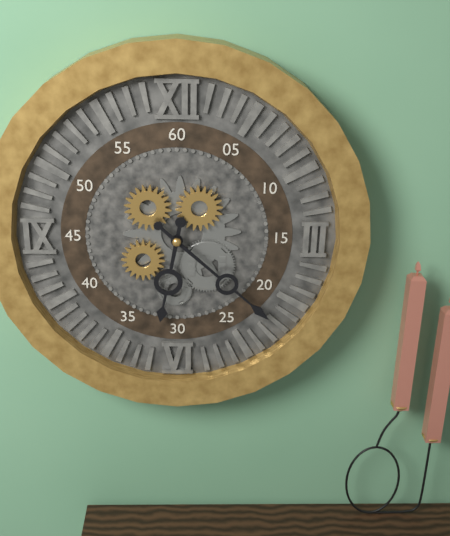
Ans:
h=6 m=22
